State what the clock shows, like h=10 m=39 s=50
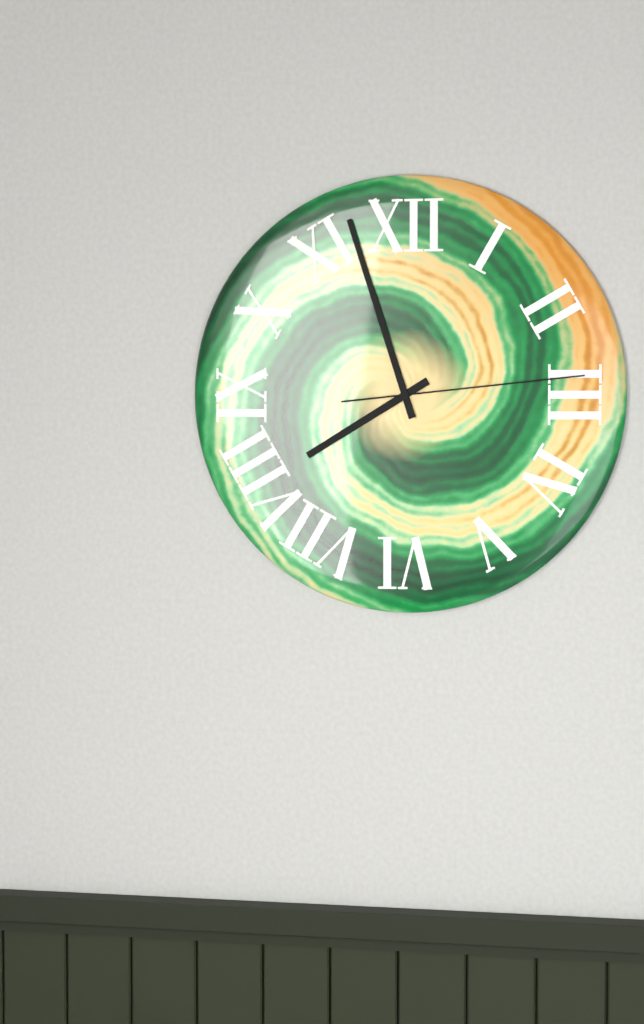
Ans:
h=7 m=57 s=14
